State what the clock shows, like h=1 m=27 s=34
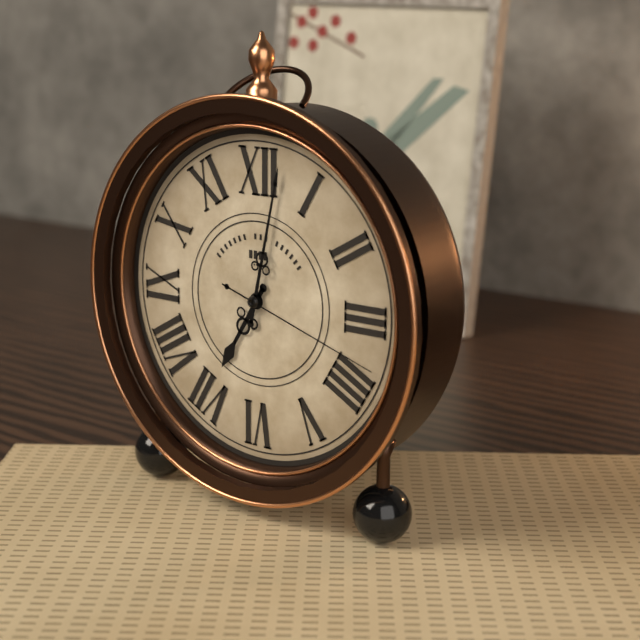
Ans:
h=7 m=2 s=18
